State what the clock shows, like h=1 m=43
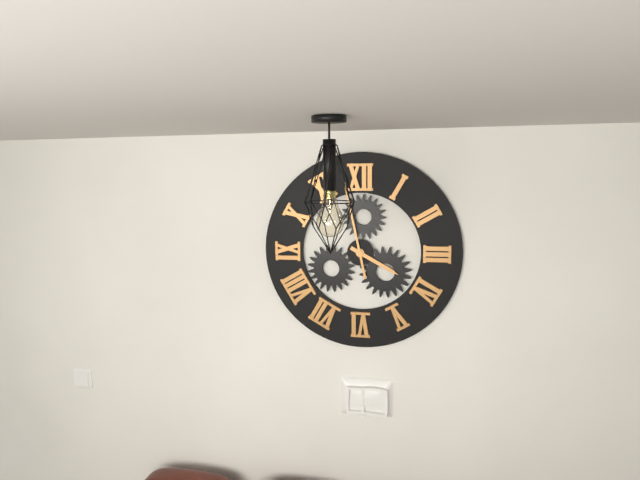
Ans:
h=3 m=58
